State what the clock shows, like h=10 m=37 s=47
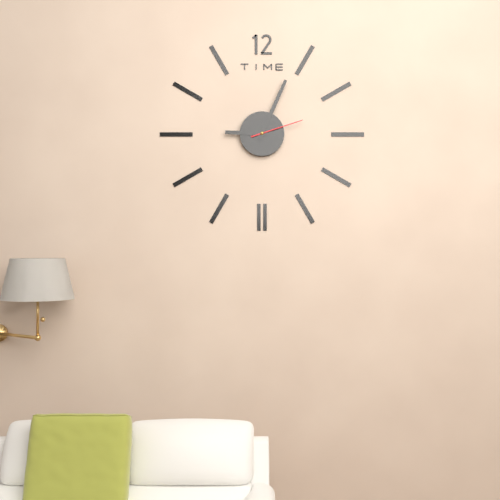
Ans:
h=9 m=4 s=12
